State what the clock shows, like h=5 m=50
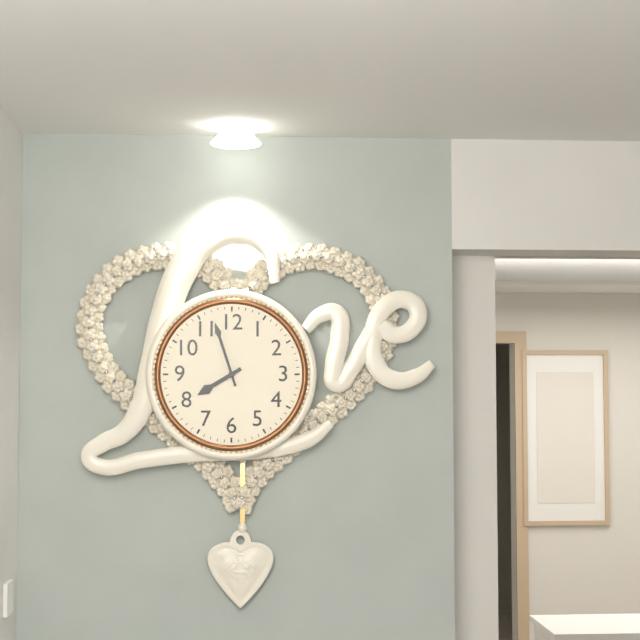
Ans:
h=7 m=57
